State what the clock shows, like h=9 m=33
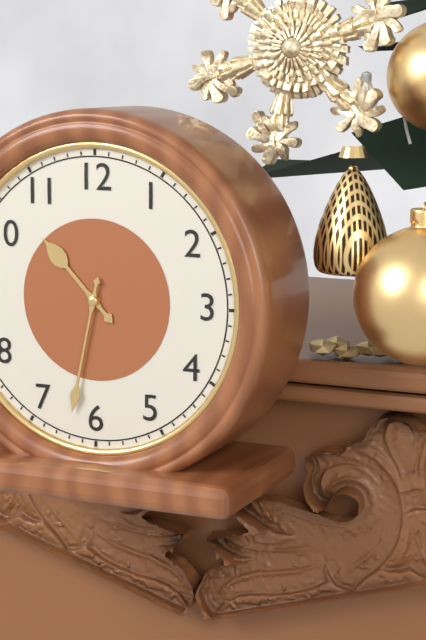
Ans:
h=10 m=32
